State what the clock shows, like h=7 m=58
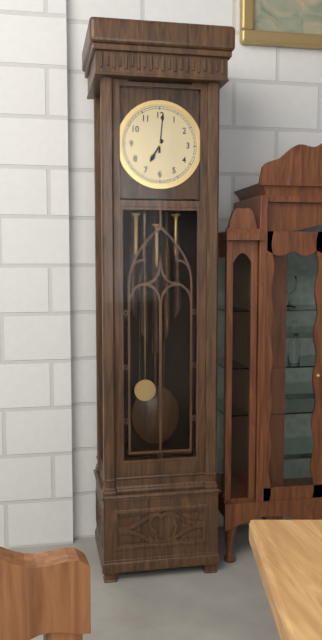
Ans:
h=7 m=1
